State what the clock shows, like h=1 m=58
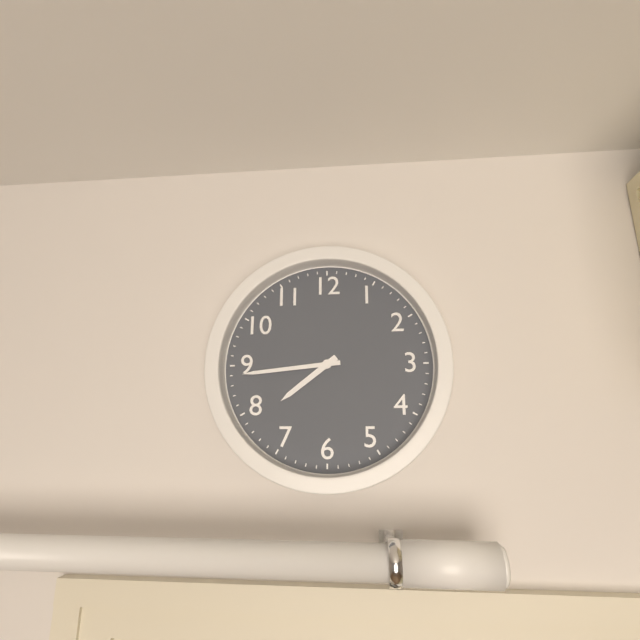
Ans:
h=7 m=44
